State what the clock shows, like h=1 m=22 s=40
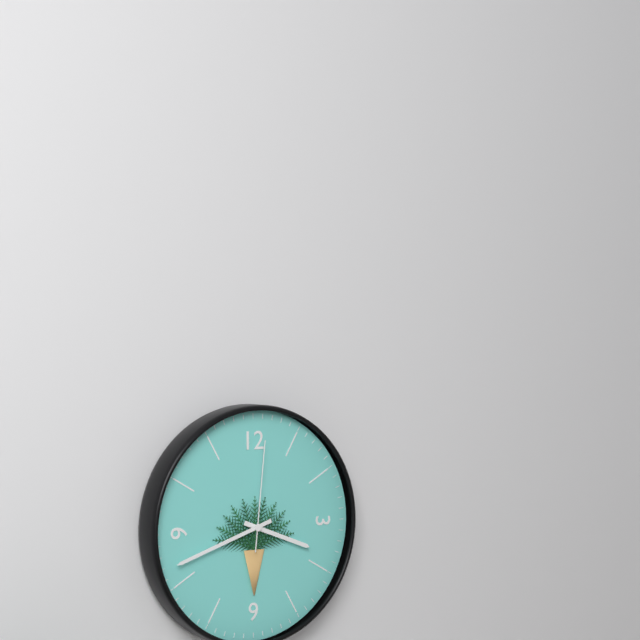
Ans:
h=3 m=42 s=1
